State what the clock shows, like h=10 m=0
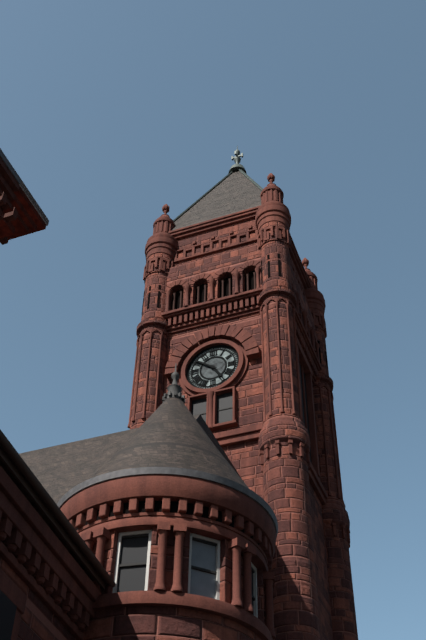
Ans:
h=4 m=51
